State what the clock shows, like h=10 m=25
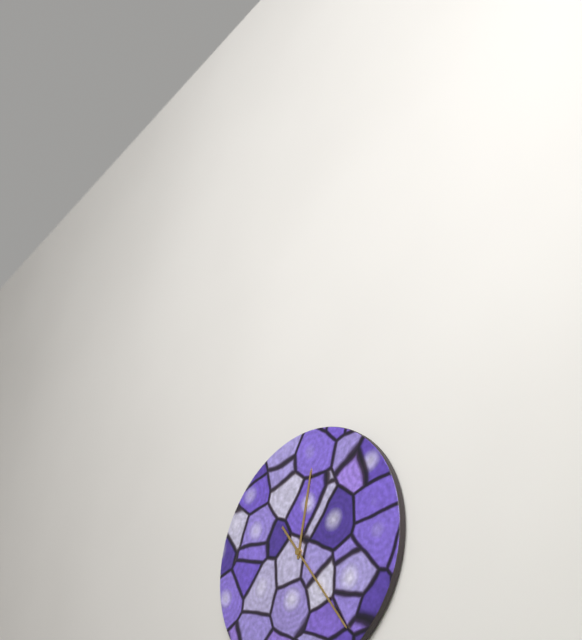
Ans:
h=12 m=24
